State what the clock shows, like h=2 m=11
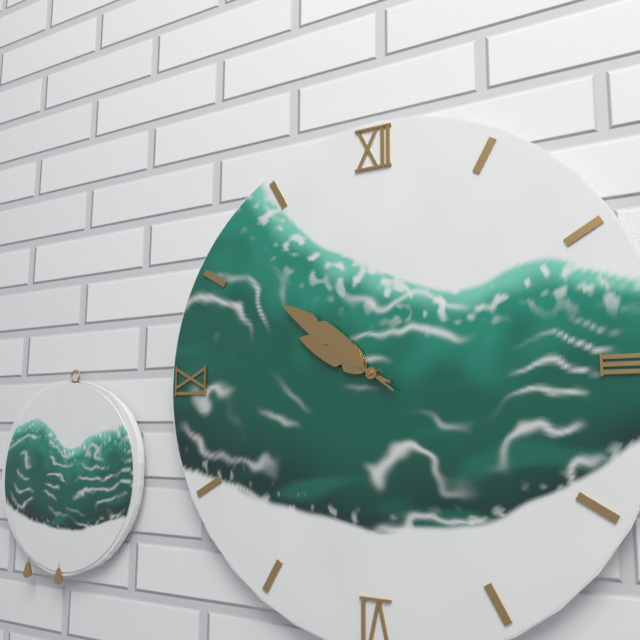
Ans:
h=9 m=51
